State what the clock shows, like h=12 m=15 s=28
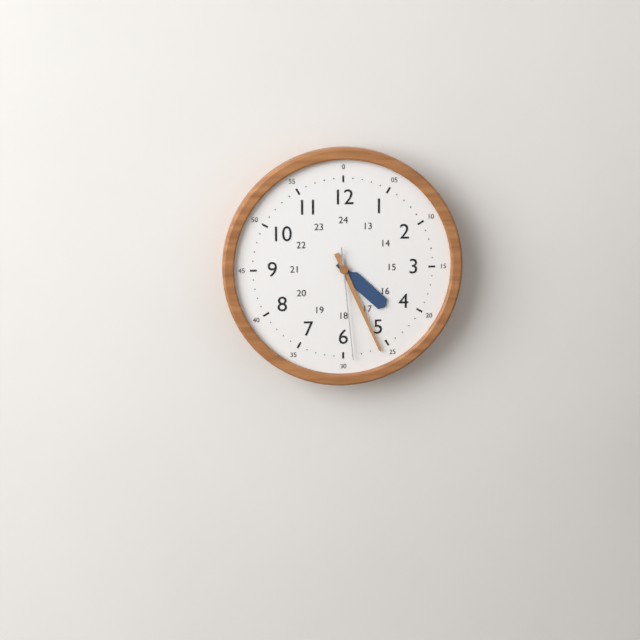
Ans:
h=4 m=26 s=29
